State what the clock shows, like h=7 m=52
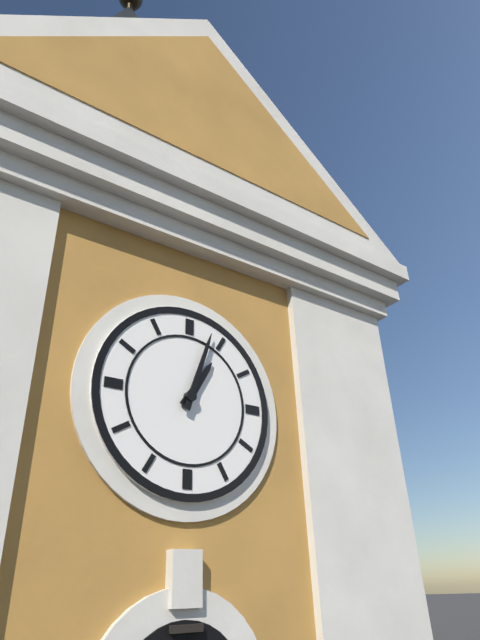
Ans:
h=1 m=3
